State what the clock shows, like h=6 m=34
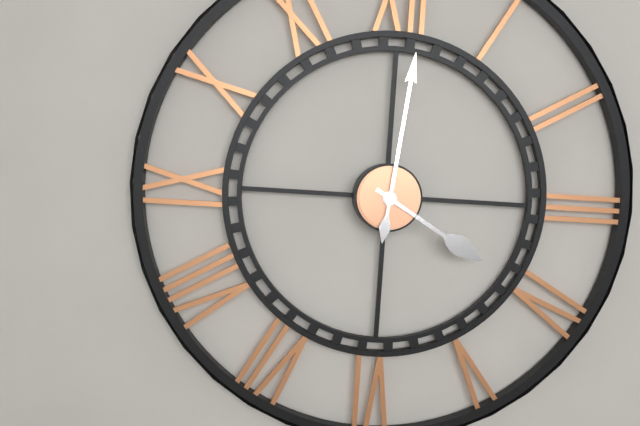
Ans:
h=4 m=1
